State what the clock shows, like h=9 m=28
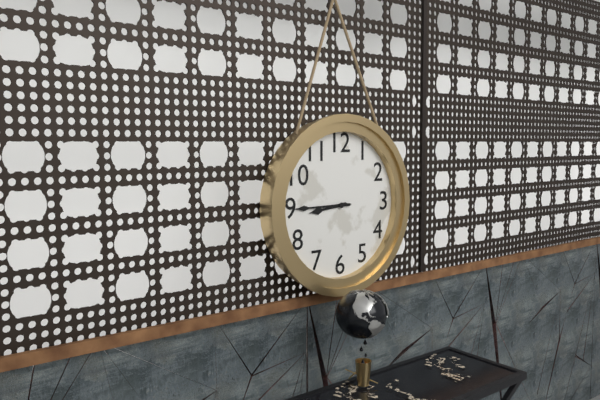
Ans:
h=8 m=45
